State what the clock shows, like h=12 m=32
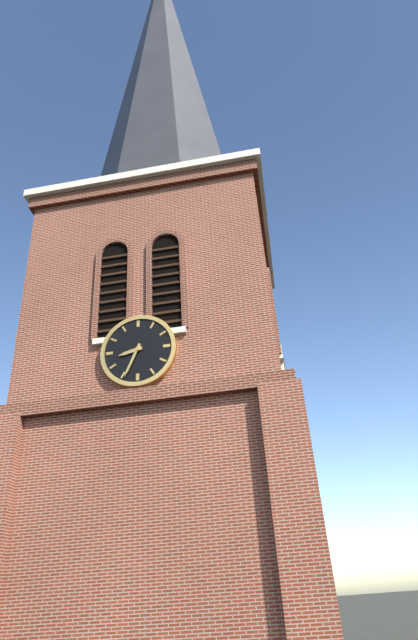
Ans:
h=8 m=34
